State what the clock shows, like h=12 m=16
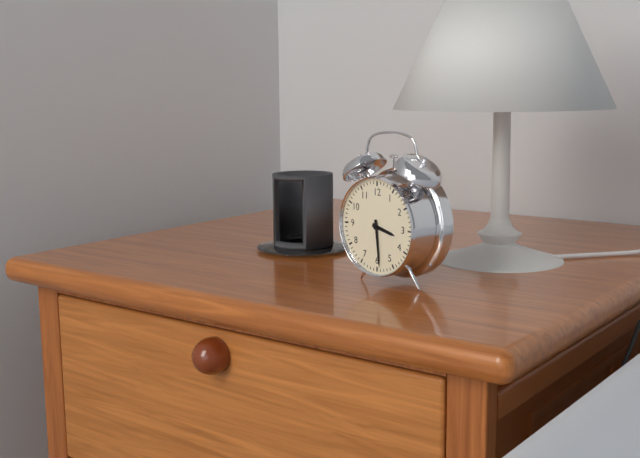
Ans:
h=3 m=29
